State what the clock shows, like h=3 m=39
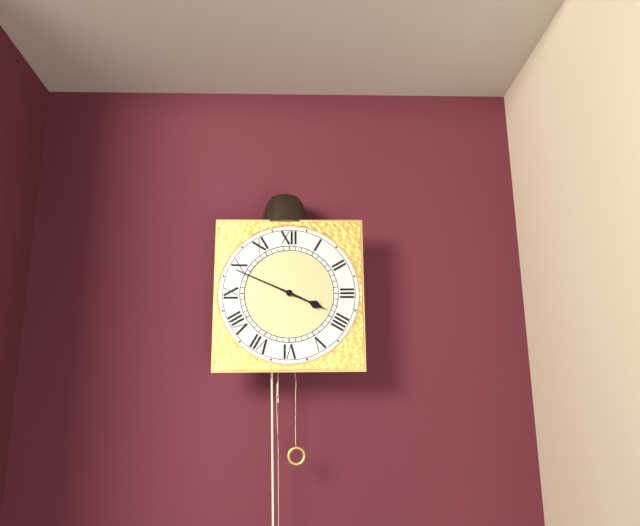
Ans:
h=3 m=49
